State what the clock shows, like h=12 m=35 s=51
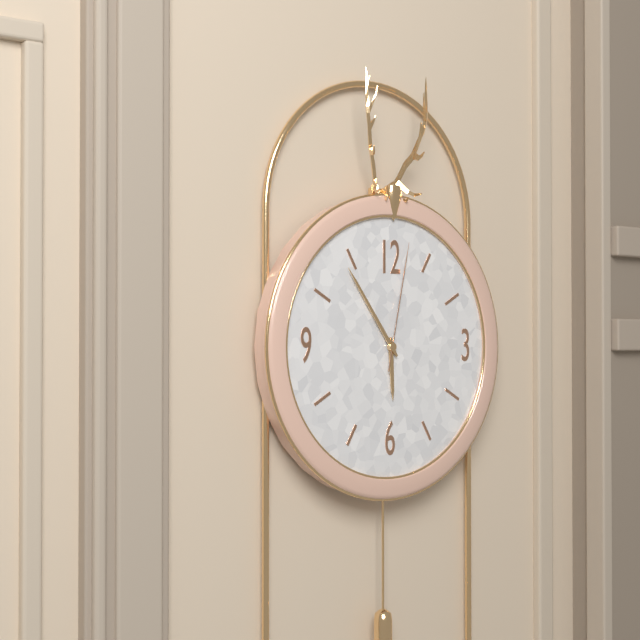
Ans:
h=5 m=54 s=2
